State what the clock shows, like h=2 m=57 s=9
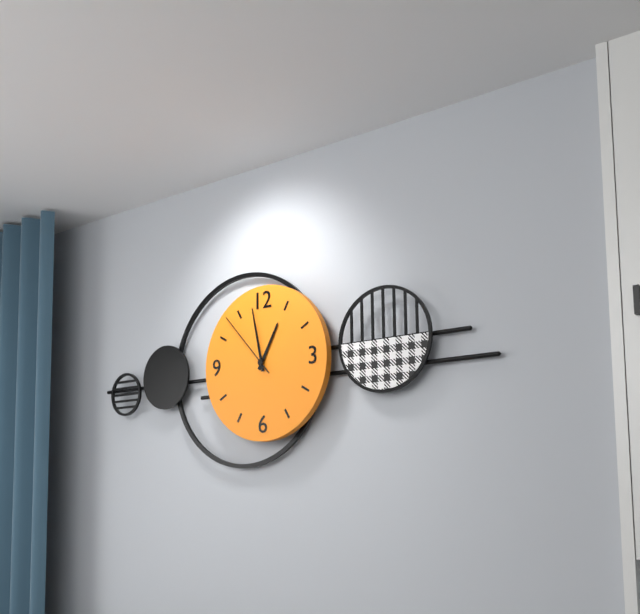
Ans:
h=12 m=58 s=53
